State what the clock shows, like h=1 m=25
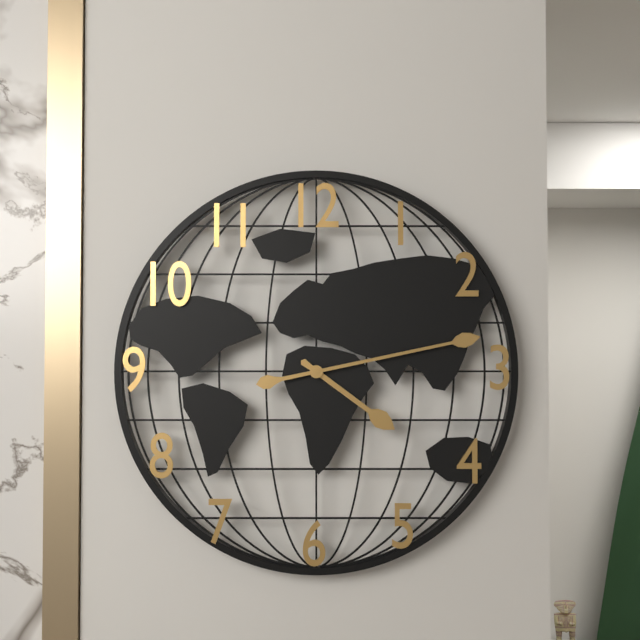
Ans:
h=4 m=13
